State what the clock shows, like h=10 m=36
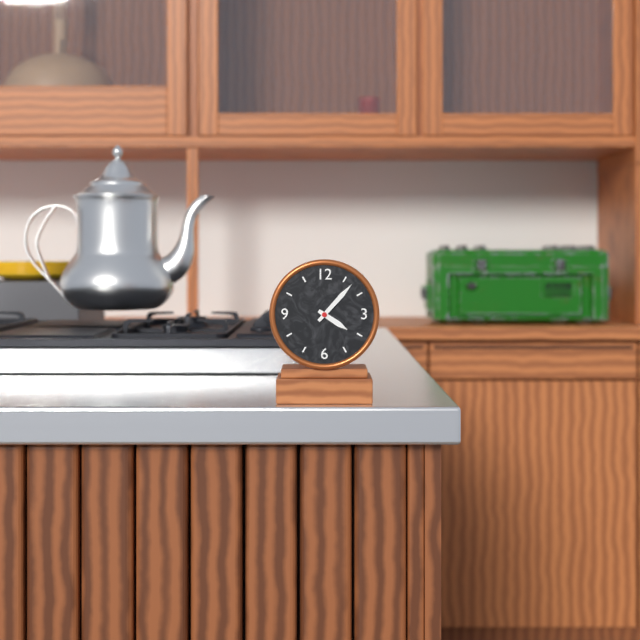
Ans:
h=4 m=7
